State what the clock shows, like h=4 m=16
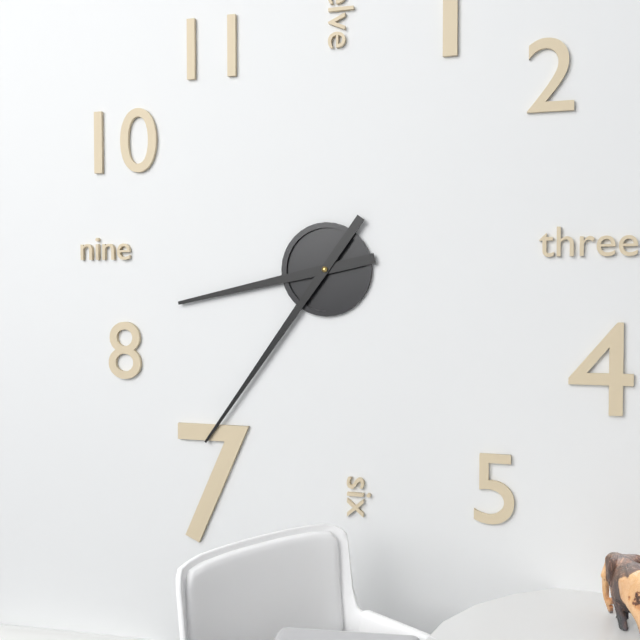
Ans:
h=8 m=36
